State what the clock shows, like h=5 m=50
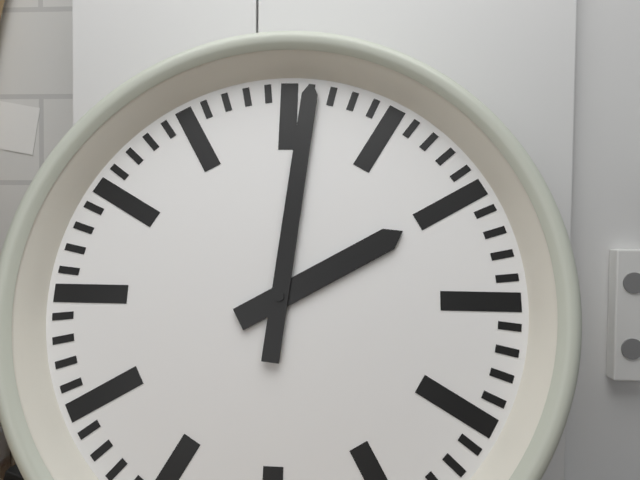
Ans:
h=2 m=1
